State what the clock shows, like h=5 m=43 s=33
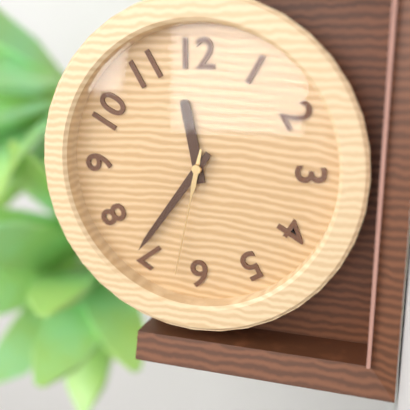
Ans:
h=11 m=36 s=32
